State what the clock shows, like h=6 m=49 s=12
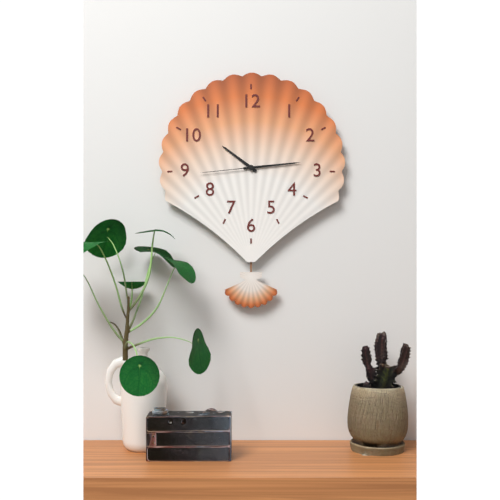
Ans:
h=10 m=14 s=44
